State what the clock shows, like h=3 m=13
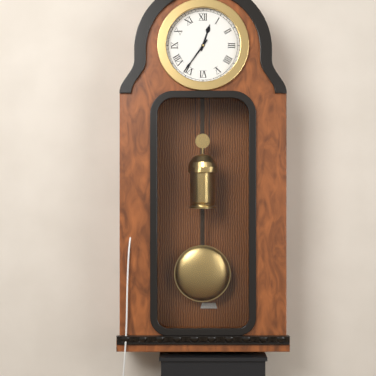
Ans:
h=12 m=36
